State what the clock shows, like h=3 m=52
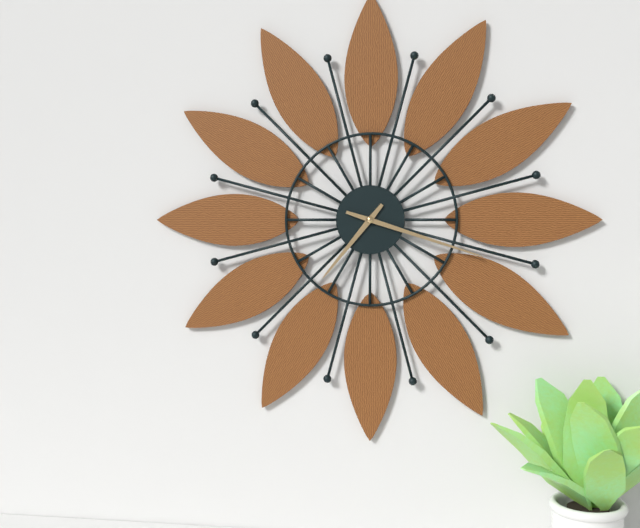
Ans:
h=7 m=18
